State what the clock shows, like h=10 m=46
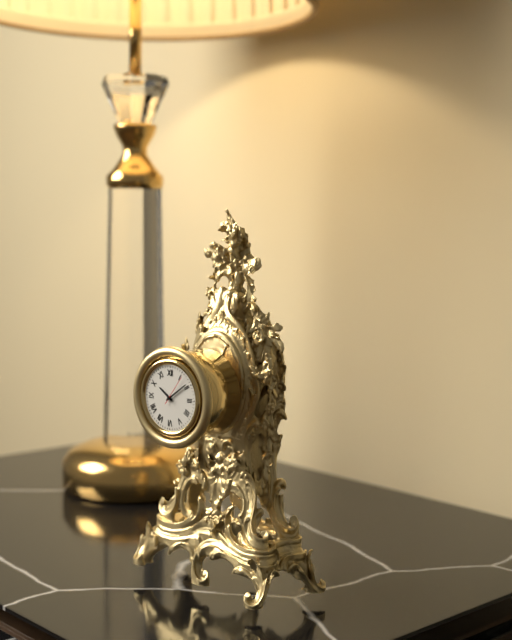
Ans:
h=10 m=9
